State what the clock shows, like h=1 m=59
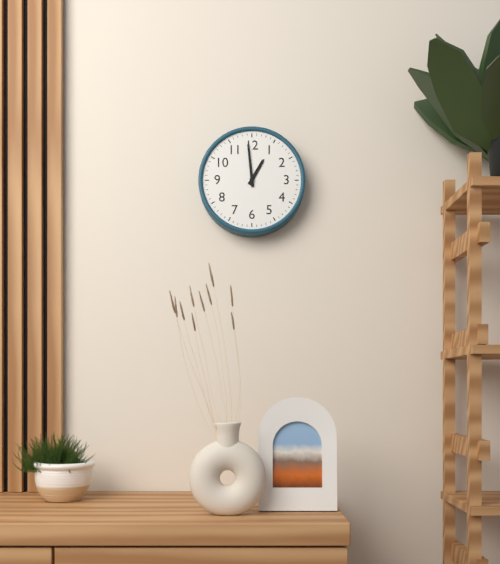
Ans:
h=12 m=59
